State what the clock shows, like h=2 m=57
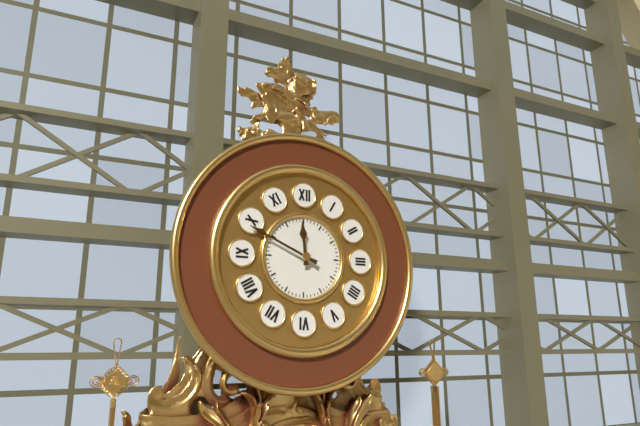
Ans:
h=11 m=49
